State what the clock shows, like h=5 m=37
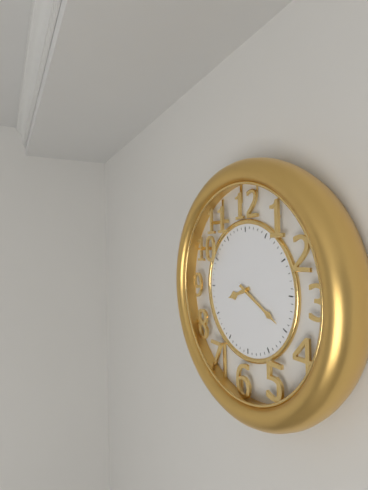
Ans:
h=8 m=20
